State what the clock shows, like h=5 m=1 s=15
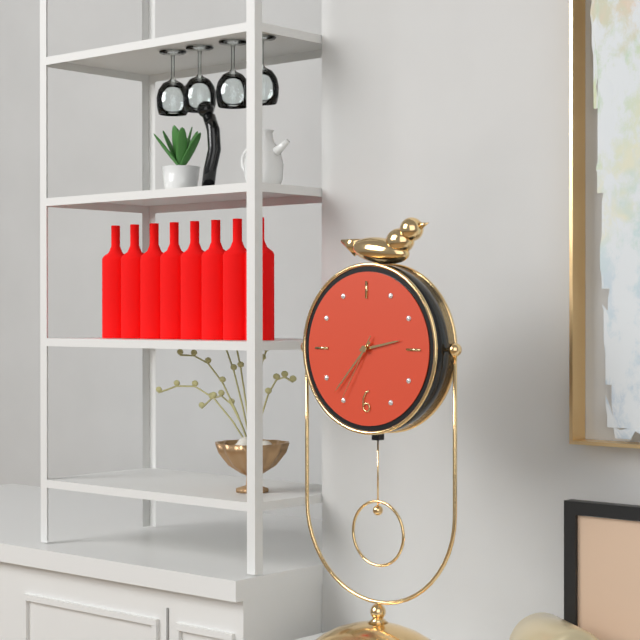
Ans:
h=2 m=37 s=35
